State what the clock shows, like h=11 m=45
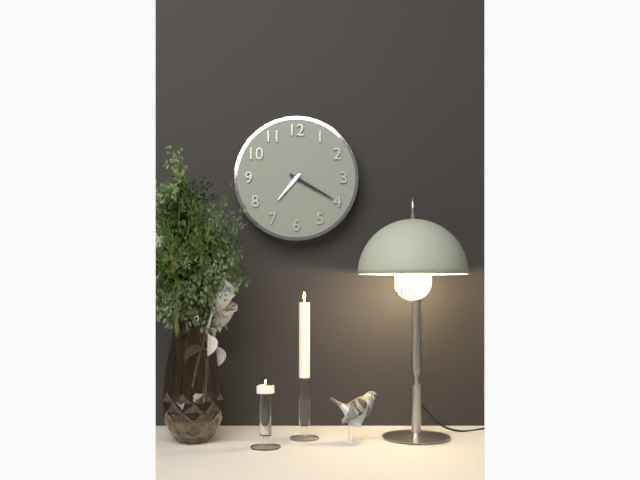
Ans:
h=7 m=20
